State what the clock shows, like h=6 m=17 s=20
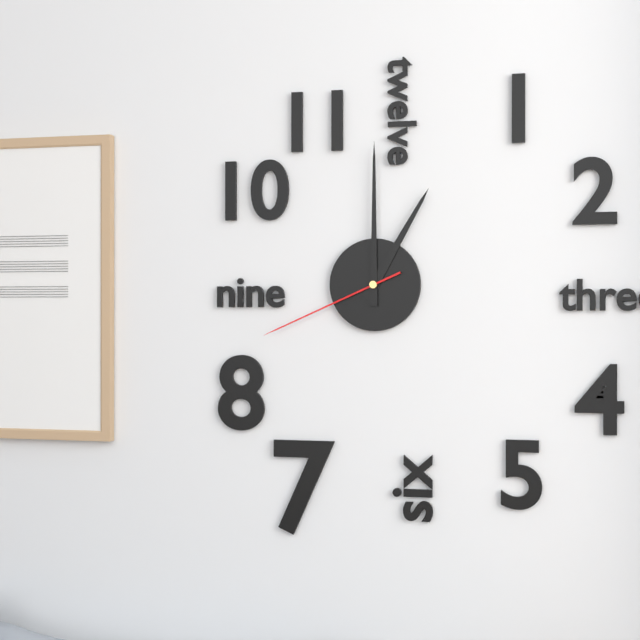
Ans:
h=1 m=0 s=41
